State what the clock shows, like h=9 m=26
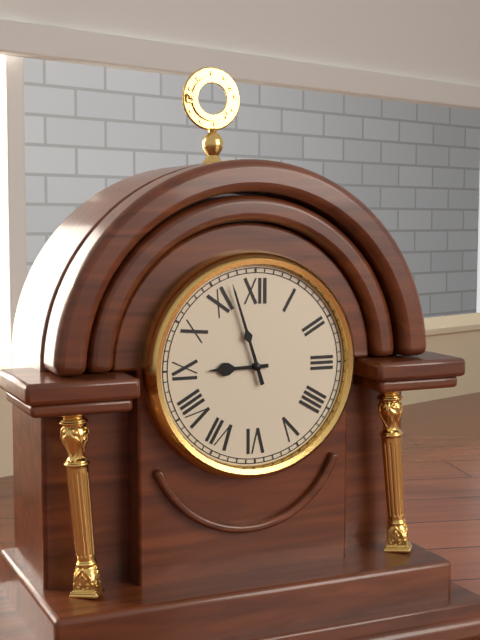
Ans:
h=8 m=57
